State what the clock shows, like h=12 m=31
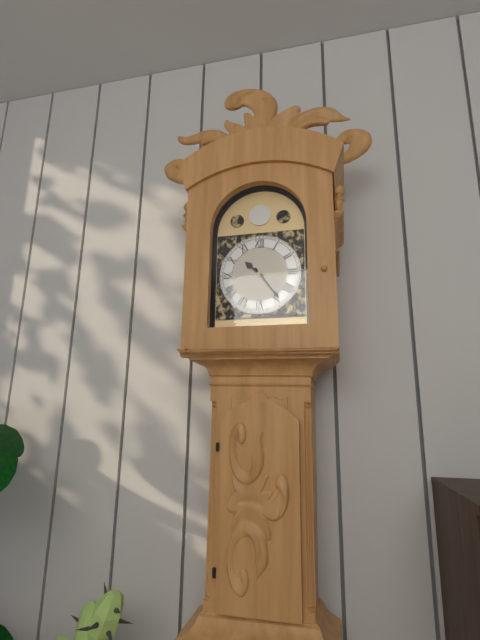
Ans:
h=10 m=24
